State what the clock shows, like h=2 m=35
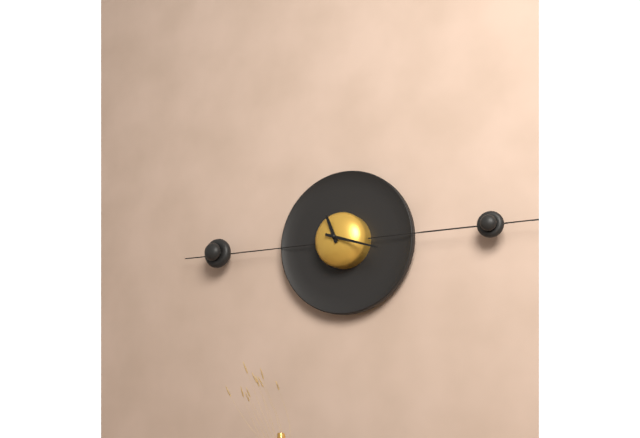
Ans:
h=11 m=18
